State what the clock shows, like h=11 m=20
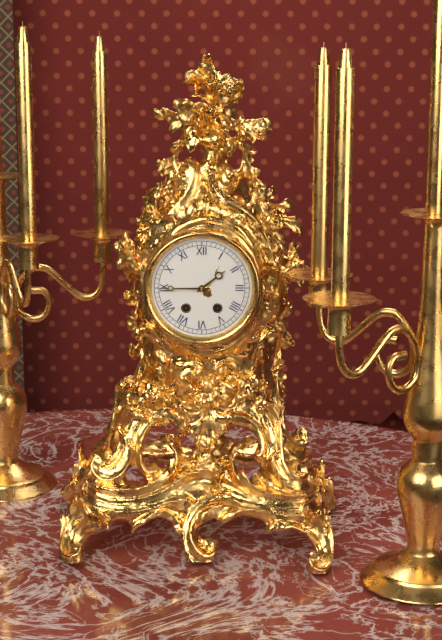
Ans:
h=1 m=45
